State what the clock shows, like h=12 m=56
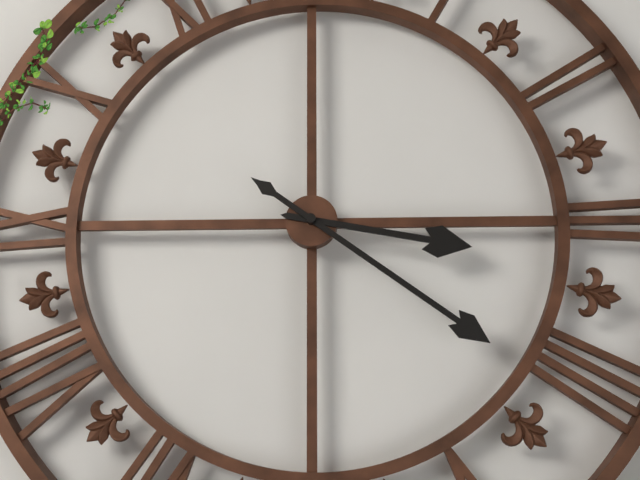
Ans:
h=3 m=21
